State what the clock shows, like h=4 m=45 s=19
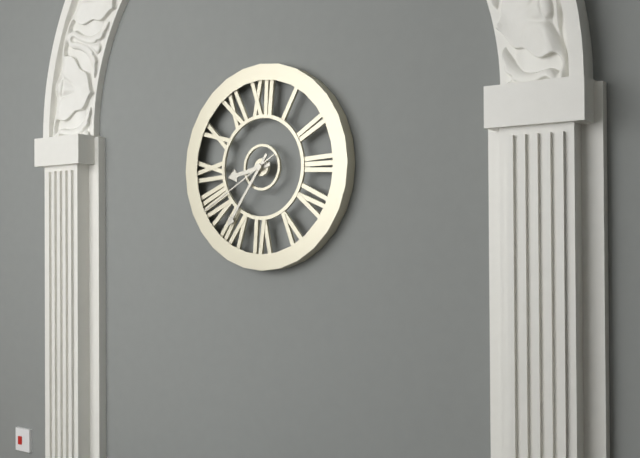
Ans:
h=8 m=36 s=40
